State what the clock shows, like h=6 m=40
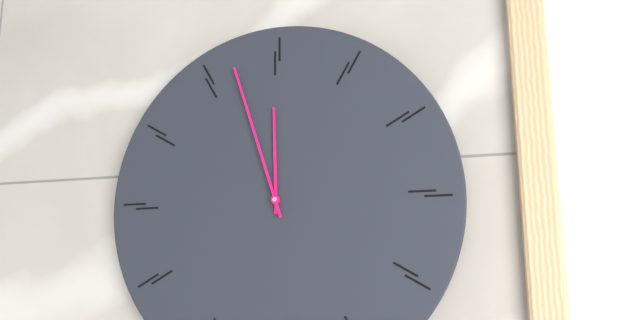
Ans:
h=11 m=57
